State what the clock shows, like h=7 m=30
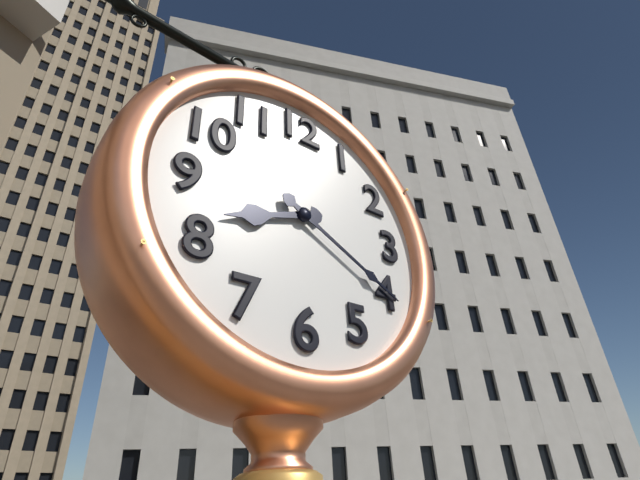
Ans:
h=8 m=20
